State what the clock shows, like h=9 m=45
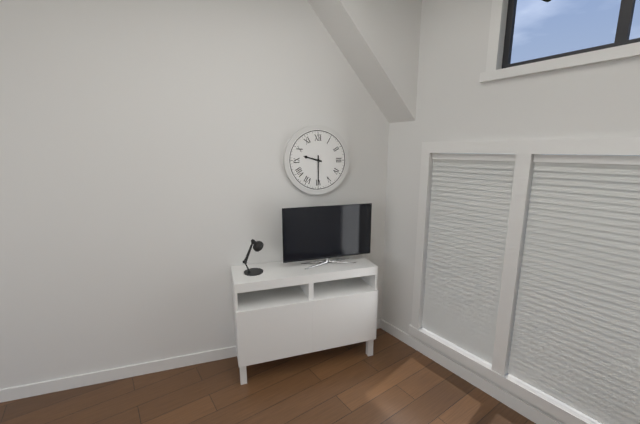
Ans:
h=9 m=30
